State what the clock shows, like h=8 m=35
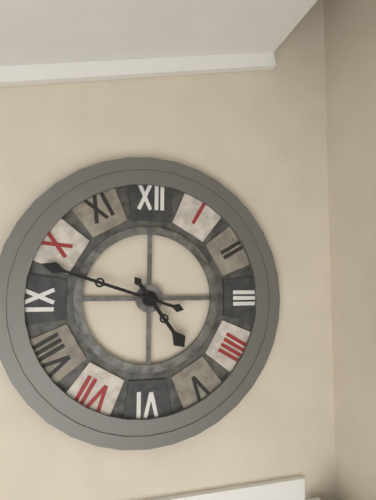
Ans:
h=4 m=48
